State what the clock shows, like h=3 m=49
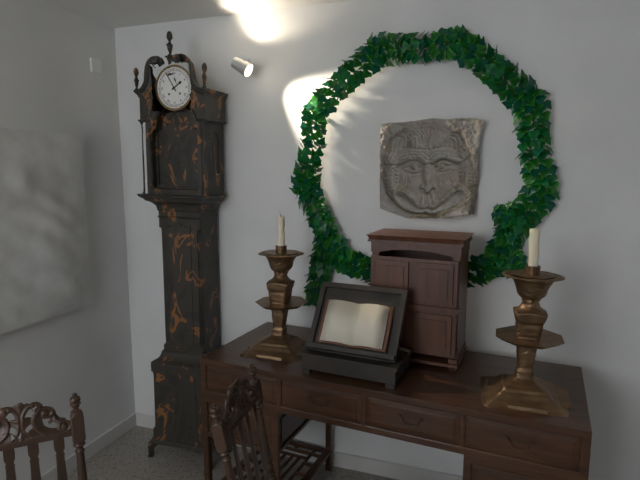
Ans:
h=1 m=55
